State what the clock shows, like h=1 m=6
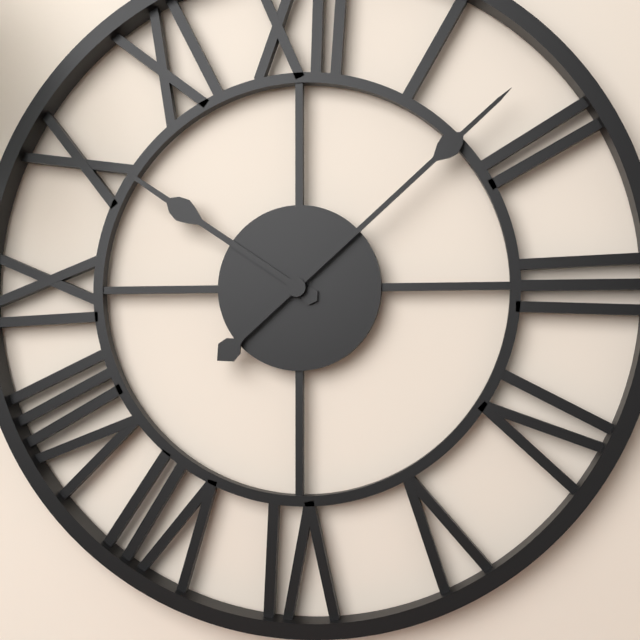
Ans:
h=10 m=8
